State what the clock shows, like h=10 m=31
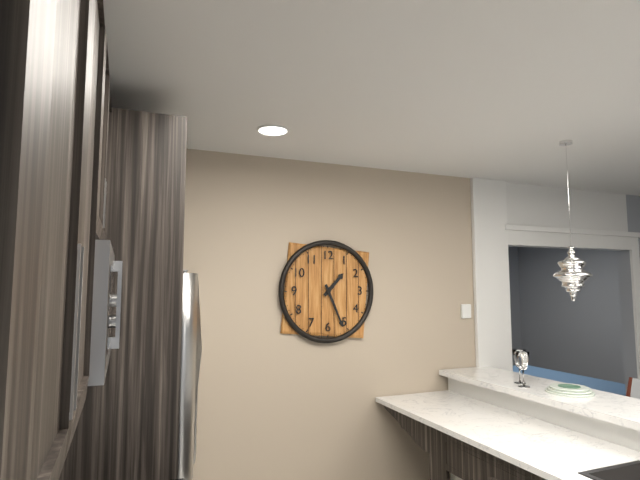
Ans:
h=1 m=26
